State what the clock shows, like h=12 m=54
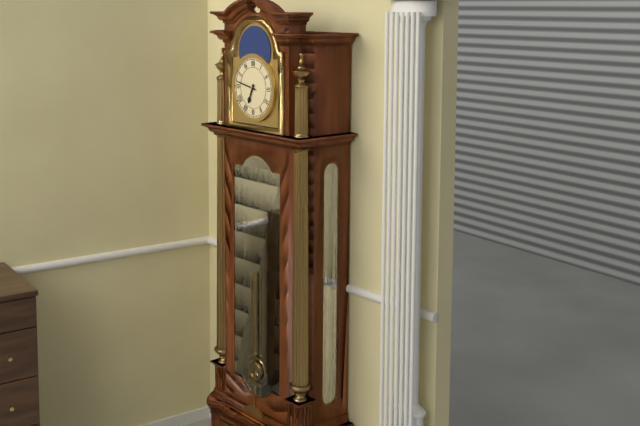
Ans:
h=6 m=47
